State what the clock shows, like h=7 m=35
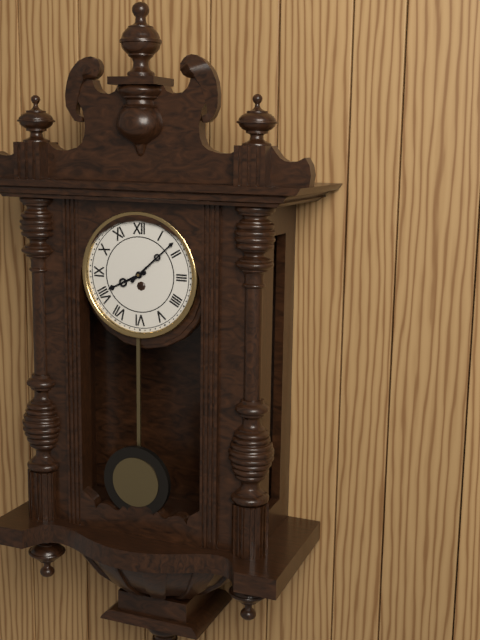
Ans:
h=8 m=8
